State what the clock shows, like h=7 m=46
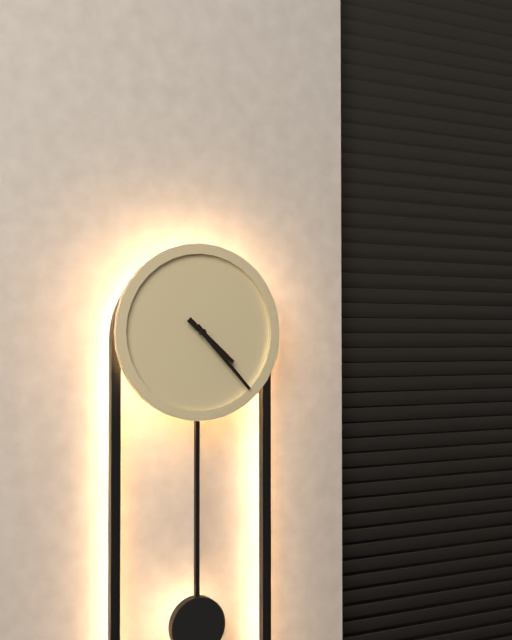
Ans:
h=4 m=23
